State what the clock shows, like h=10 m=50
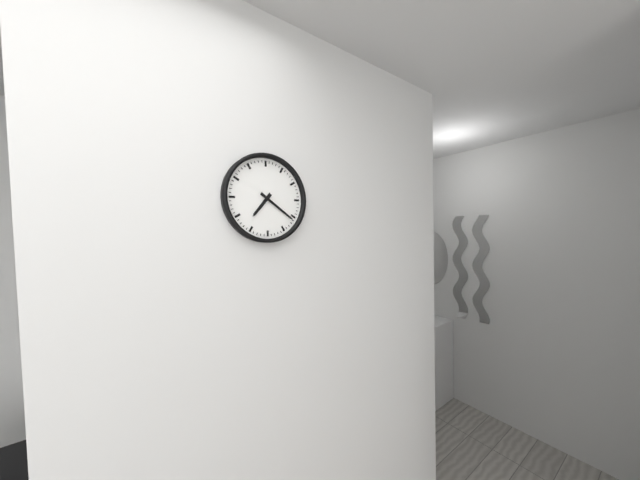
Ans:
h=7 m=21
